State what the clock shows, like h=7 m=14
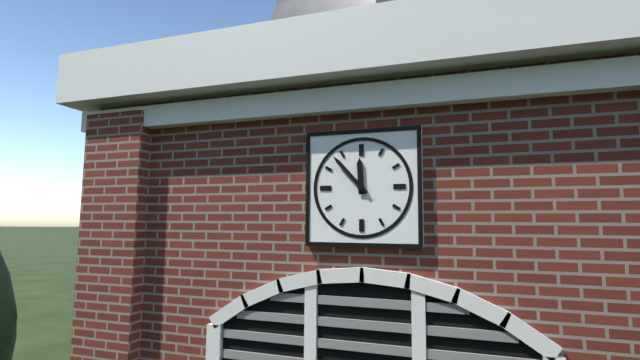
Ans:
h=11 m=53
